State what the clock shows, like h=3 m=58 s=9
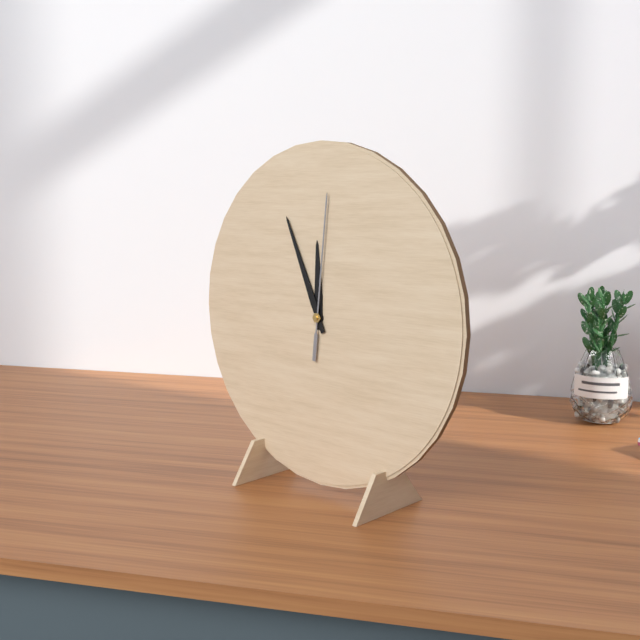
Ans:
h=11 m=56 s=1
